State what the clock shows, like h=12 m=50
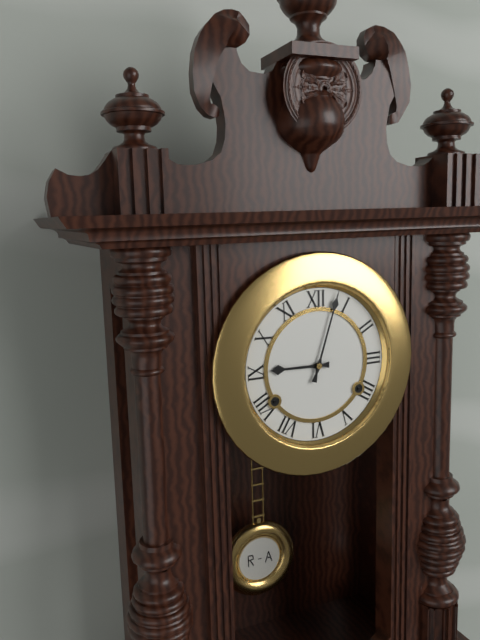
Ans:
h=9 m=3
